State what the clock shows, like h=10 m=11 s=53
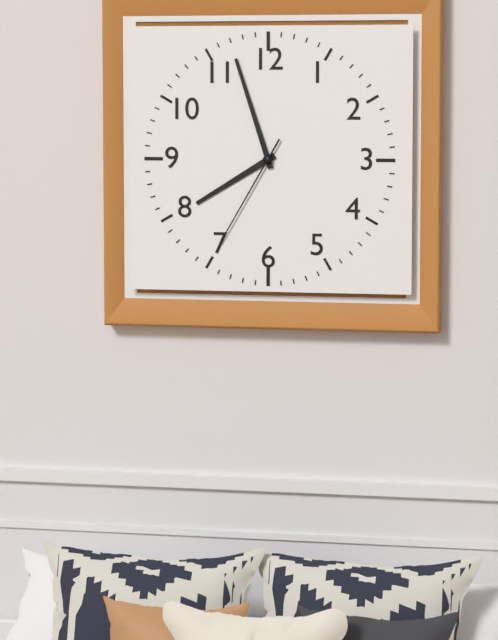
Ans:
h=7 m=57 s=35
